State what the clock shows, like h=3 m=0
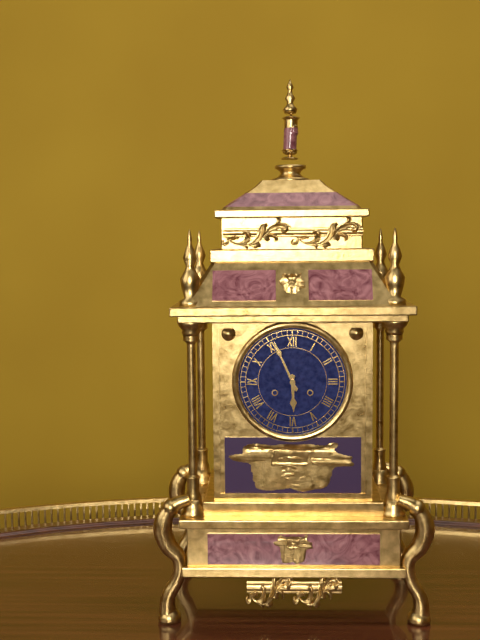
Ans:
h=5 m=56
